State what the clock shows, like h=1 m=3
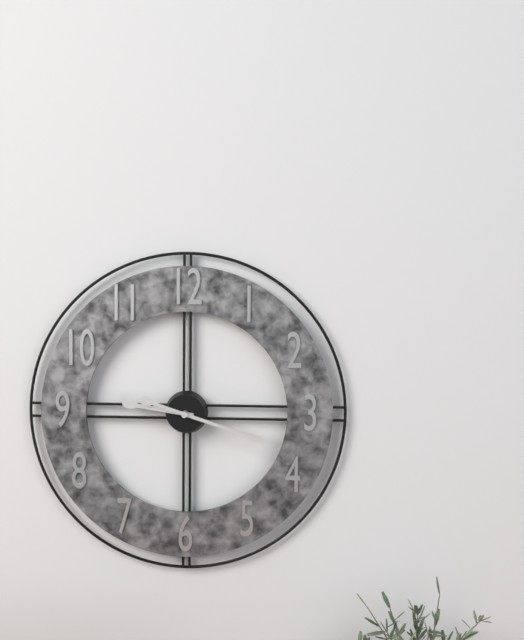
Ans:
h=9 m=18
